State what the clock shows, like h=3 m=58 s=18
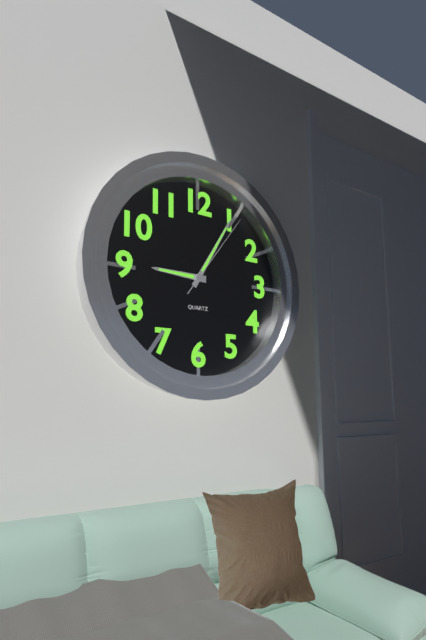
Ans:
h=9 m=5 s=6
